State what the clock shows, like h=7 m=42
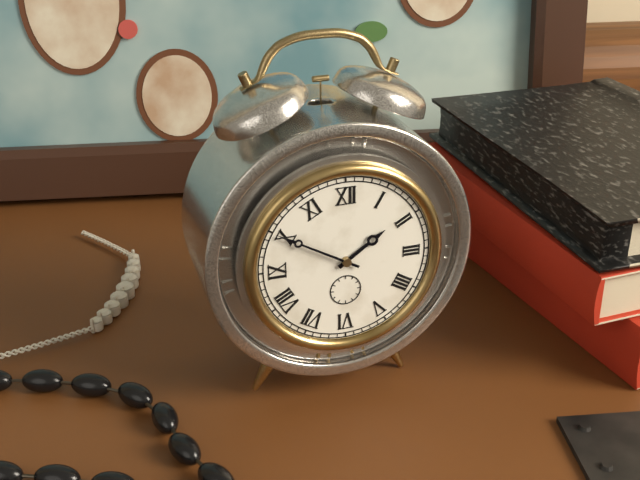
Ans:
h=1 m=50
